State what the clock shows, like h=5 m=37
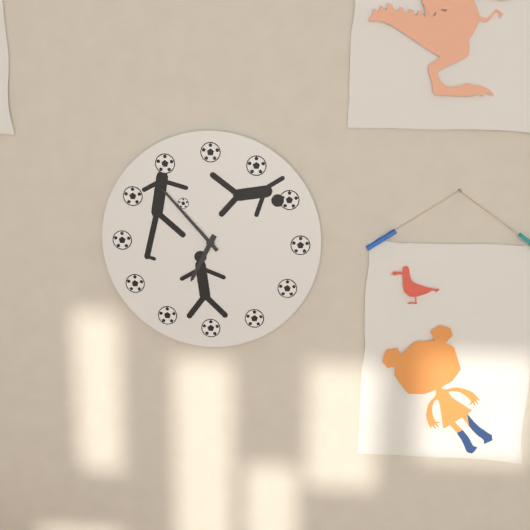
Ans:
h=6 m=53
